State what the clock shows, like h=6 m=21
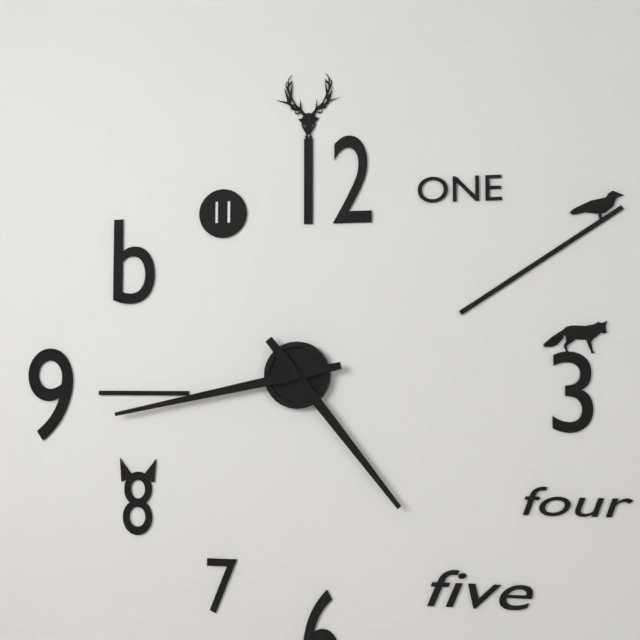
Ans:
h=4 m=43
